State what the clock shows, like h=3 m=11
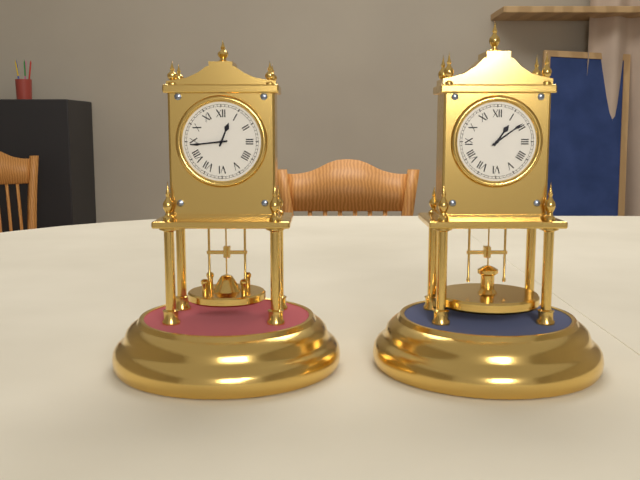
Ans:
h=12 m=44
